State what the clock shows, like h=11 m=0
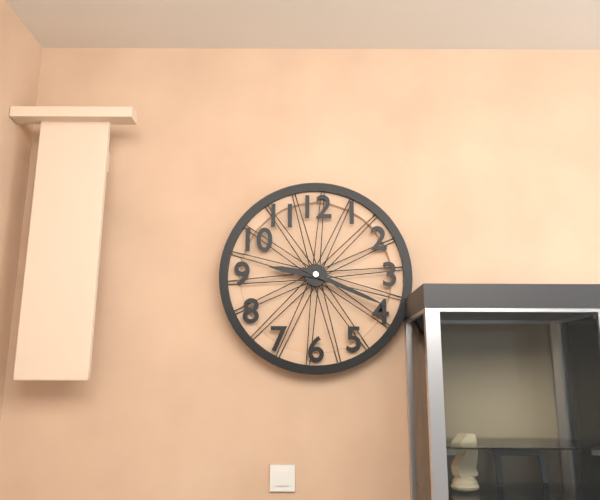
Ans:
h=9 m=19
